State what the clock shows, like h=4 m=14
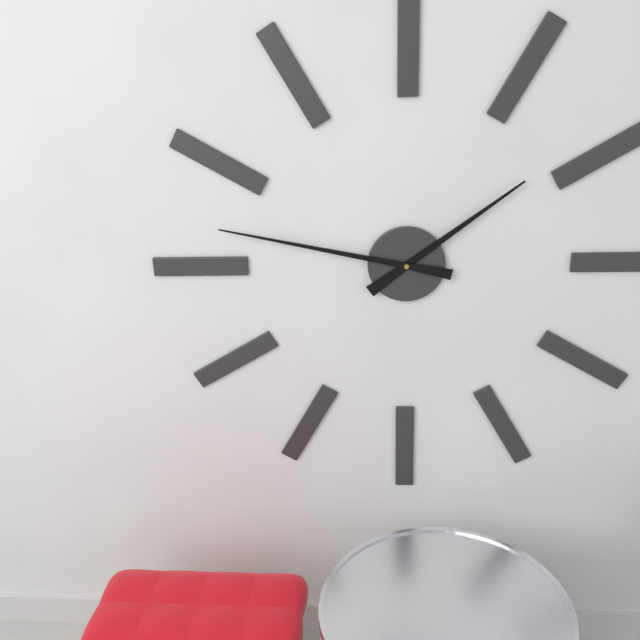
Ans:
h=1 m=47
